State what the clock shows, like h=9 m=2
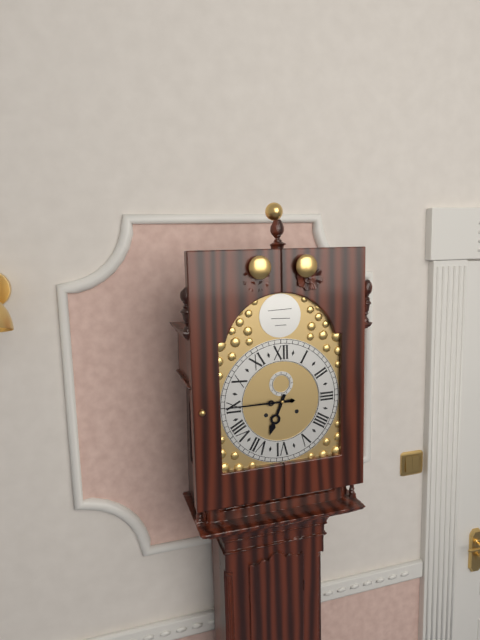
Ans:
h=6 m=45
